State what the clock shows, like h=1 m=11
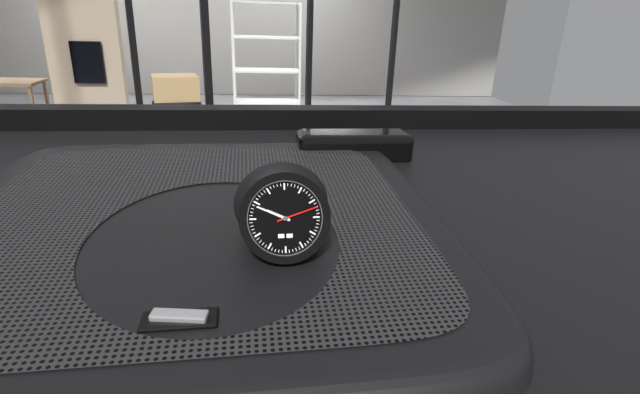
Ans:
h=9 m=49
